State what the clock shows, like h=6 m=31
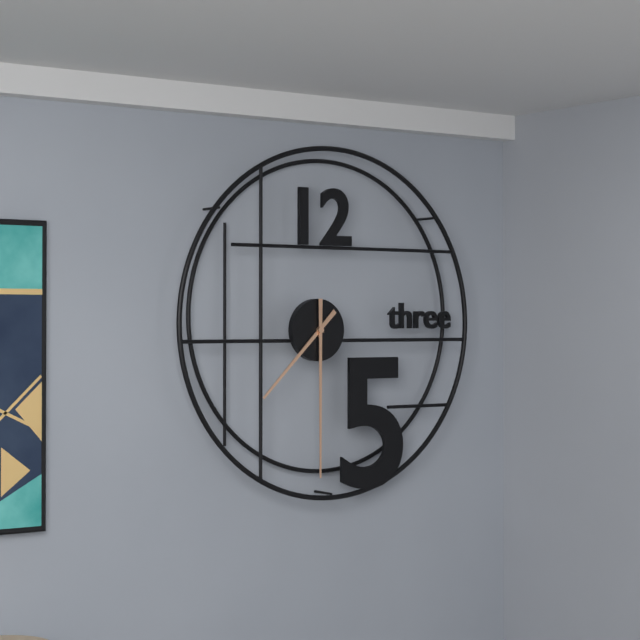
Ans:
h=7 m=30
